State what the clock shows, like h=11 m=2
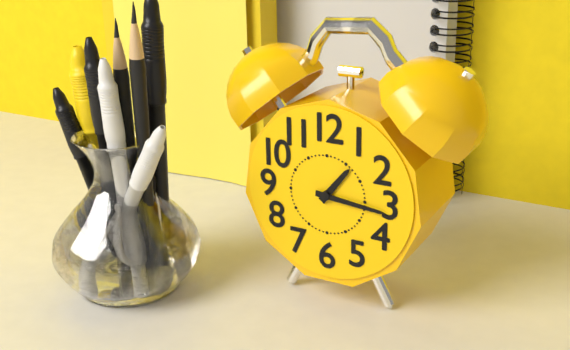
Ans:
h=1 m=16
